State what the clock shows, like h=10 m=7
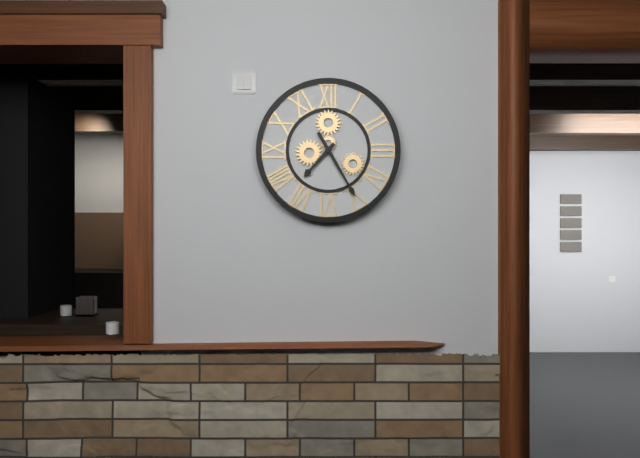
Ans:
h=7 m=25
